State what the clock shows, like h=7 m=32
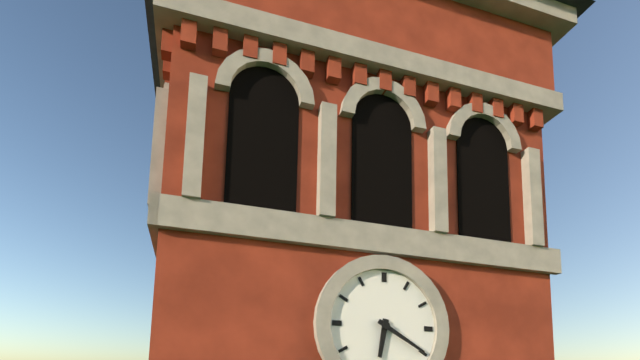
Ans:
h=6 m=20
